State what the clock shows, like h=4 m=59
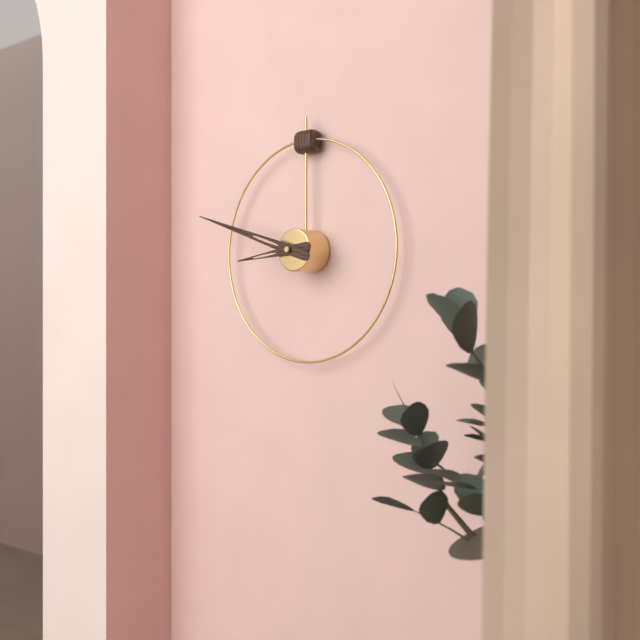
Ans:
h=8 m=48
